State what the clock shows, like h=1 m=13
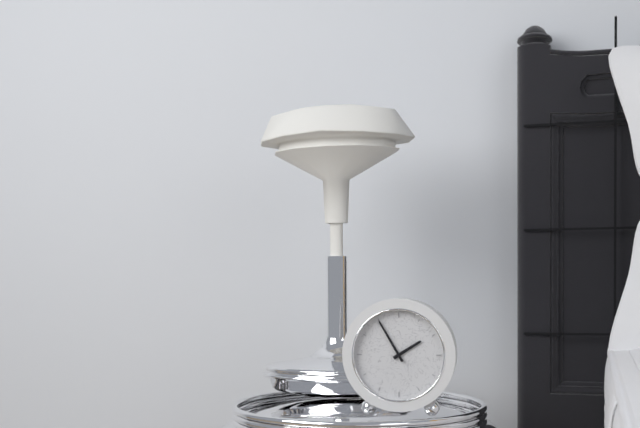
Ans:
h=1 m=55
